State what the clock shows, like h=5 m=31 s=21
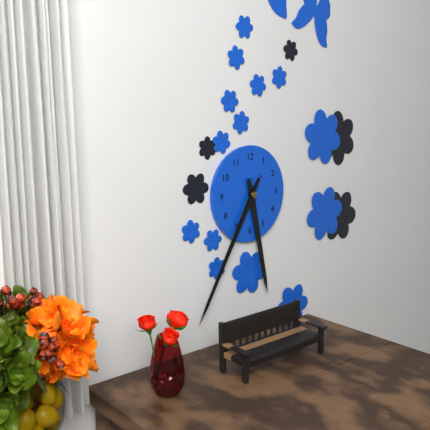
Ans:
h=5 m=35 s=35
